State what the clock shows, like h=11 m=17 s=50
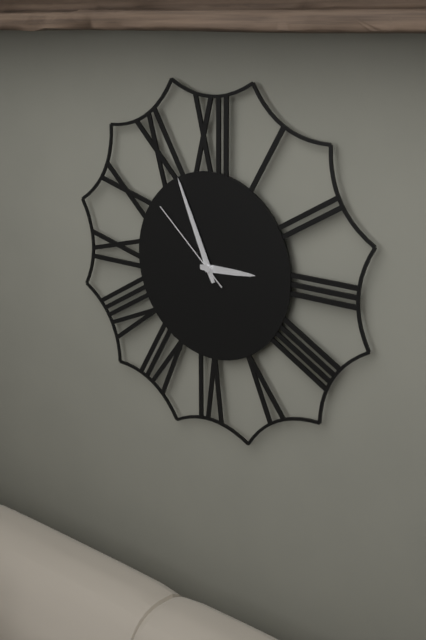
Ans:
h=2 m=56 s=52
